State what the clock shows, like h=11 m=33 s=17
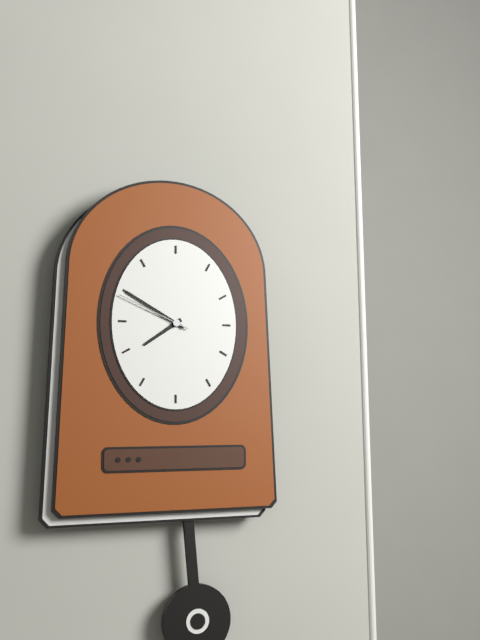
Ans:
h=7 m=50 s=49
